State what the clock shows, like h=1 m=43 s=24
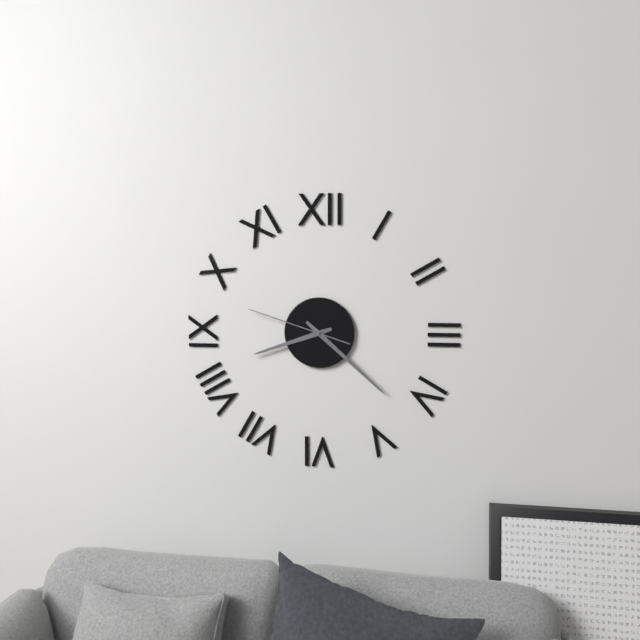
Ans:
h=8 m=22 s=48
